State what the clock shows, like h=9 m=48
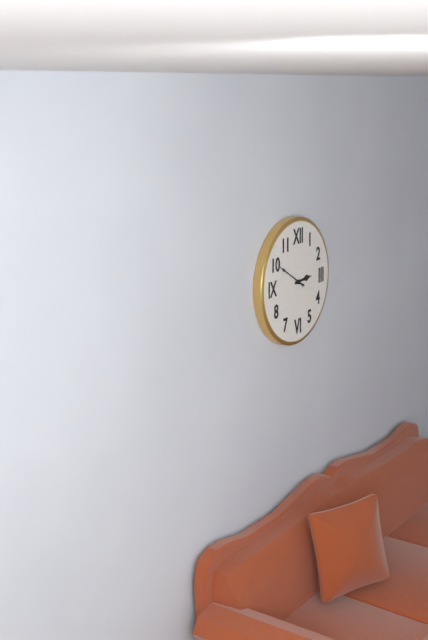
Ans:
h=2 m=50
